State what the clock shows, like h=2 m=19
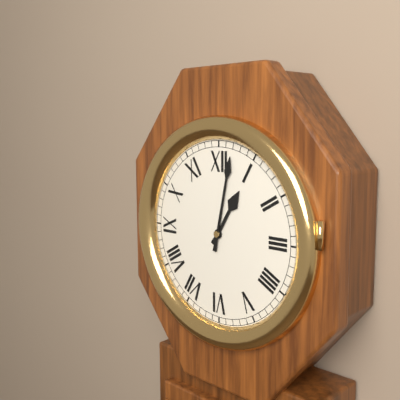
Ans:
h=1 m=2
